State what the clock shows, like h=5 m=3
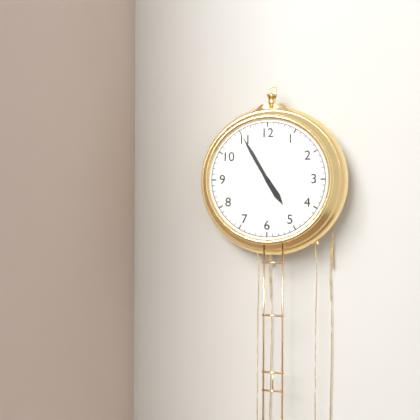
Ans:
h=4 m=55
